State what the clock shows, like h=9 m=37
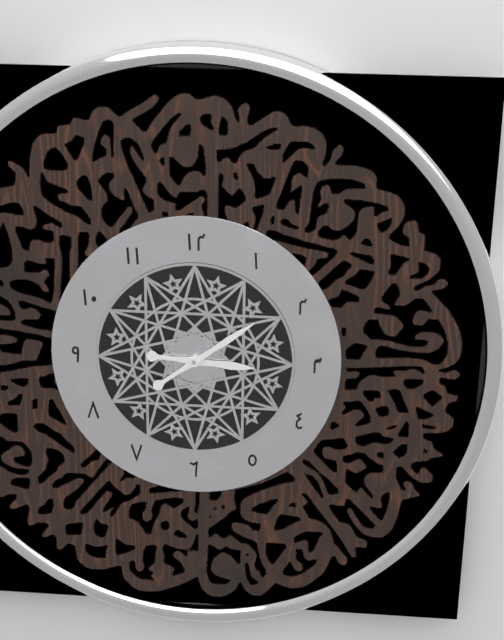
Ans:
h=3 m=9
